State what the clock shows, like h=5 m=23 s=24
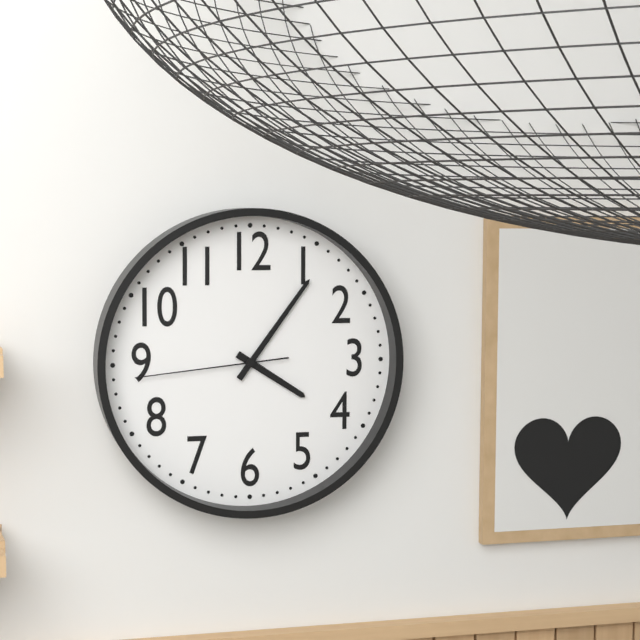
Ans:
h=4 m=6 s=44
